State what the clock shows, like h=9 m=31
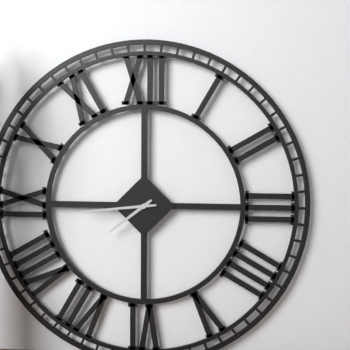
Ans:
h=7 m=44
